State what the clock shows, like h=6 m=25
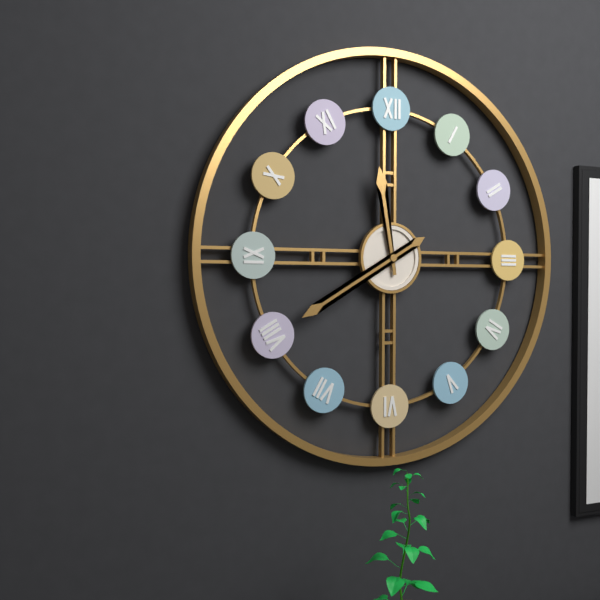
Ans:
h=11 m=40
